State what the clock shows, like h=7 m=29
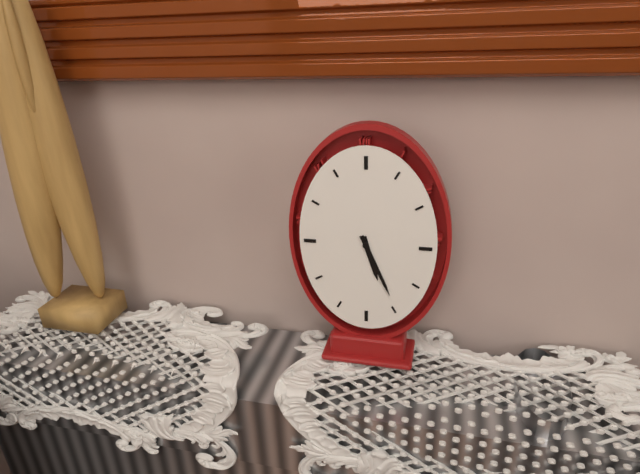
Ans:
h=5 m=26
